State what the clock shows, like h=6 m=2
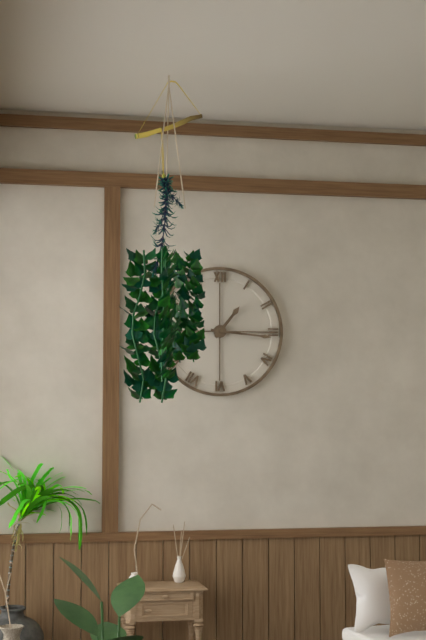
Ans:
h=1 m=16
